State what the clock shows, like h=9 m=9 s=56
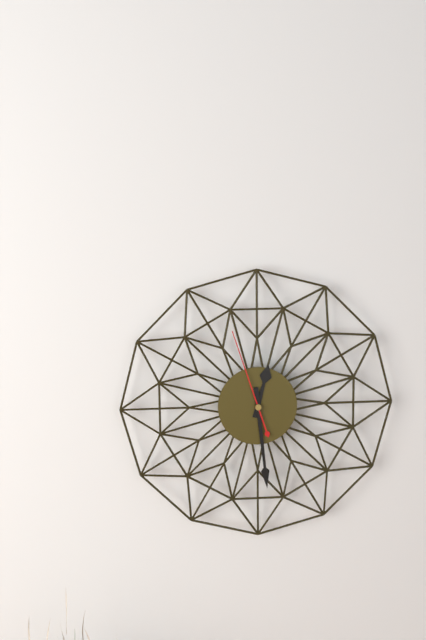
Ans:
h=12 m=29 s=57
